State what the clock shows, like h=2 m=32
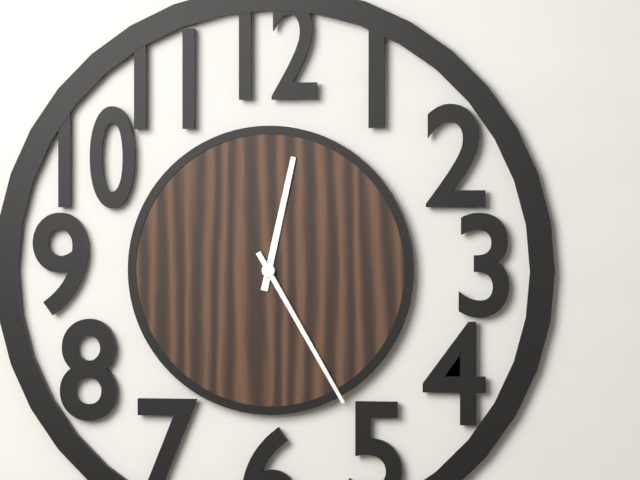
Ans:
h=12 m=25
